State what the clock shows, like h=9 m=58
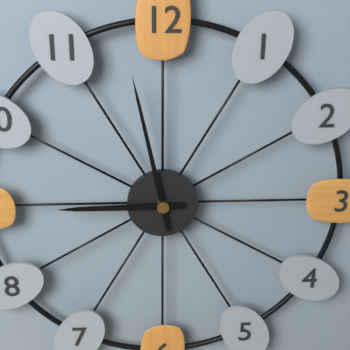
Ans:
h=8 m=58
